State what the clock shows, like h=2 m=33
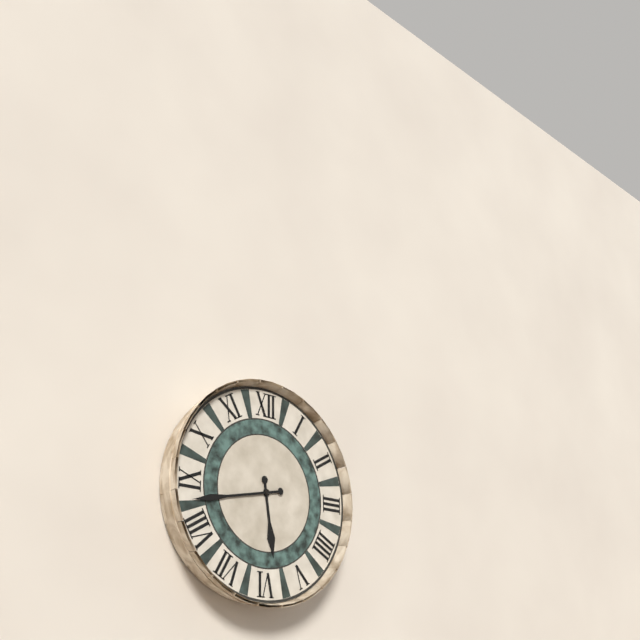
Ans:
h=5 m=43
